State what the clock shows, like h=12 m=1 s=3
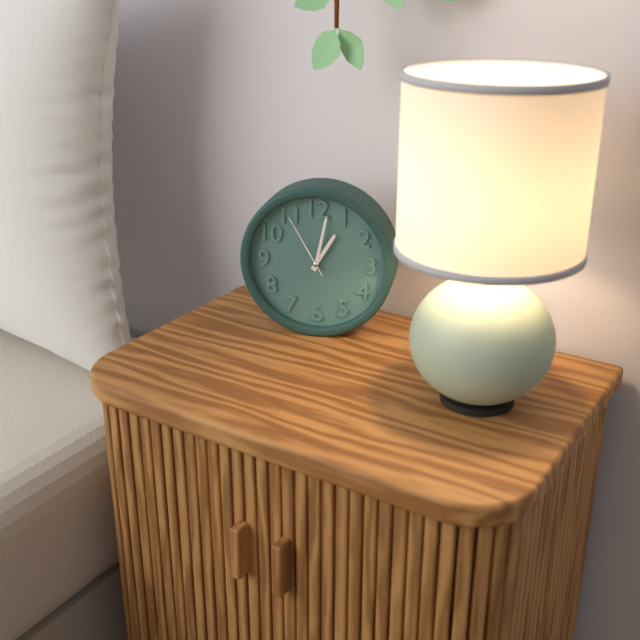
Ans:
h=1 m=2 s=55
